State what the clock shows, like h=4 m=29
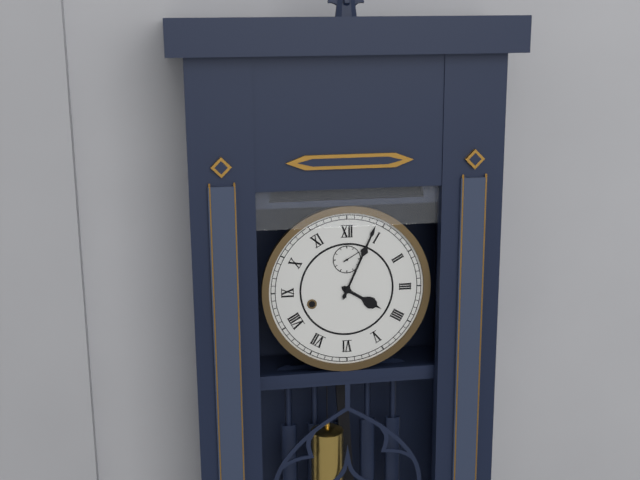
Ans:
h=4 m=4
